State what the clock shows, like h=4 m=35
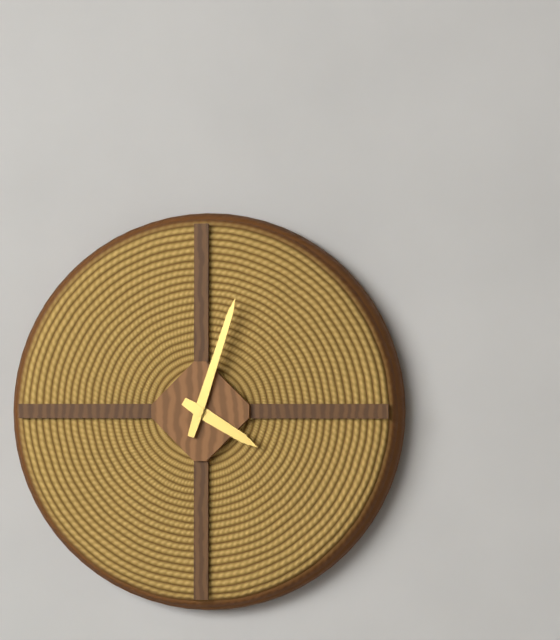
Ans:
h=4 m=3
